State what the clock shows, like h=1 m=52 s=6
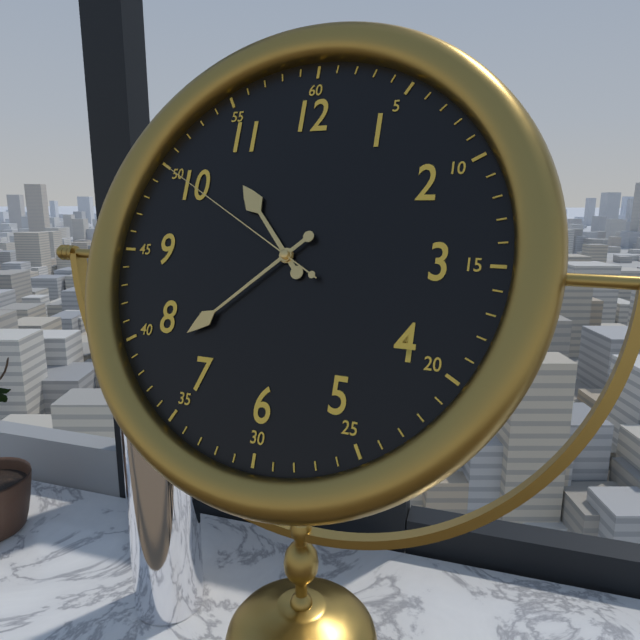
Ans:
h=10 m=38 s=50
